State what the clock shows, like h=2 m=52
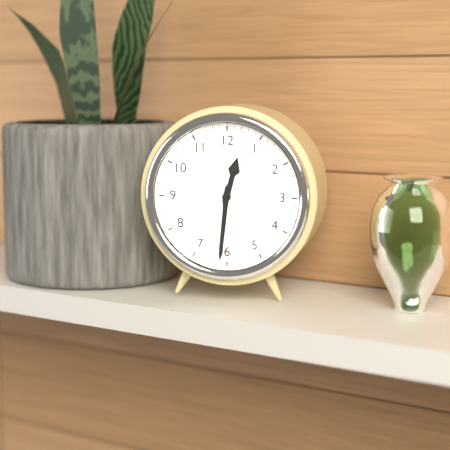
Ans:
h=12 m=31
